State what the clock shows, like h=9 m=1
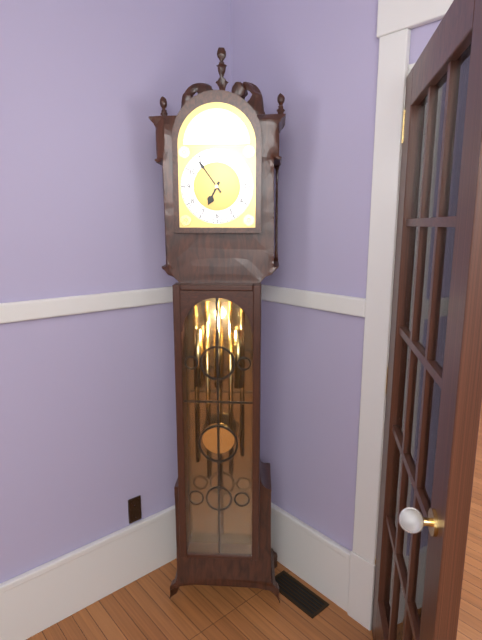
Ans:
h=6 m=54
